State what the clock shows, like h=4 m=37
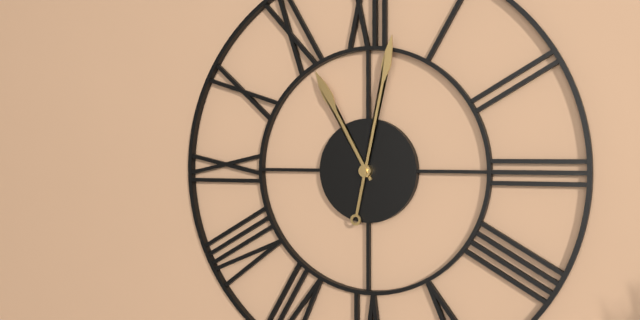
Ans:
h=11 m=2
